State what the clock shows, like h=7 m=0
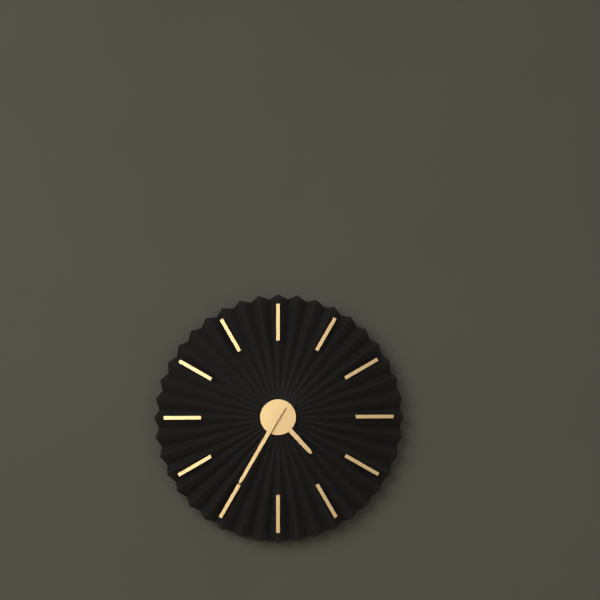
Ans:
h=4 m=35
